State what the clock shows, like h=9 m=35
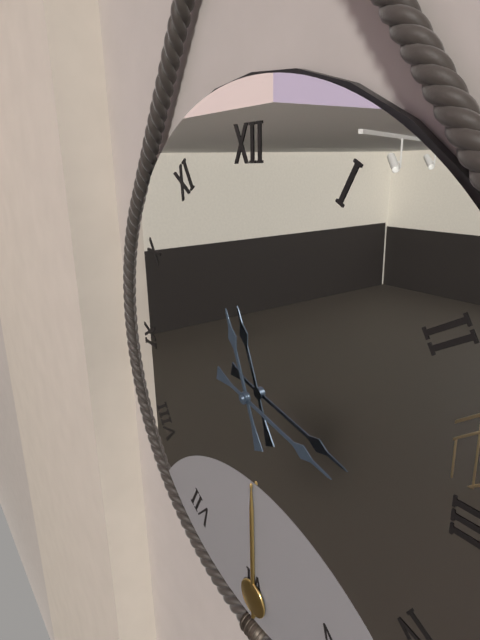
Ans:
h=11 m=17
